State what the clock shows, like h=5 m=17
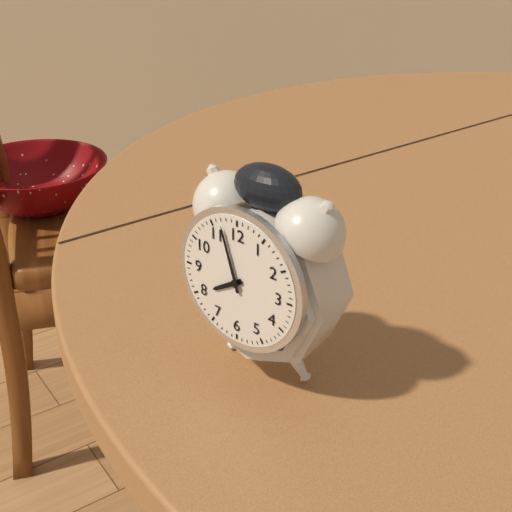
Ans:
h=7 m=57
